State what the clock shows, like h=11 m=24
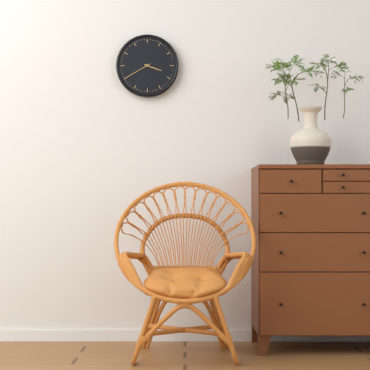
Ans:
h=3 m=40
